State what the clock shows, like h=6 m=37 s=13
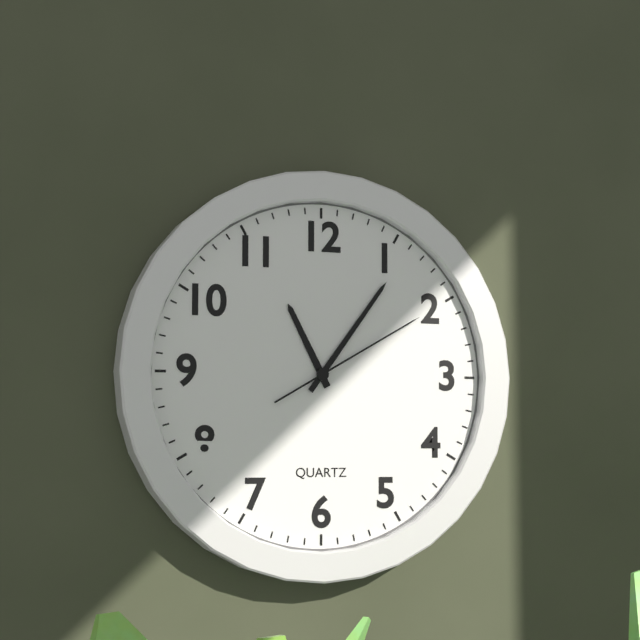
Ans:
h=11 m=6 s=10
